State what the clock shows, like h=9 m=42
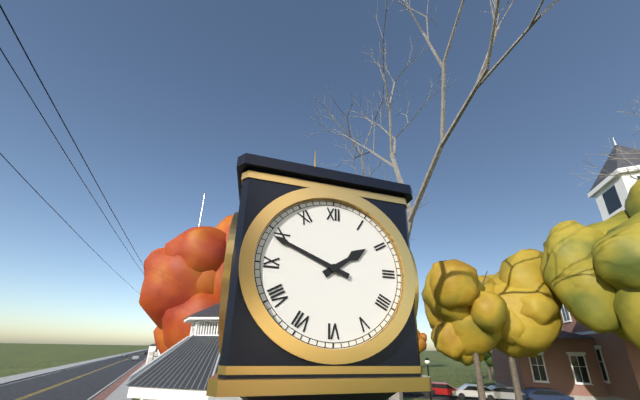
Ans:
h=1 m=49
